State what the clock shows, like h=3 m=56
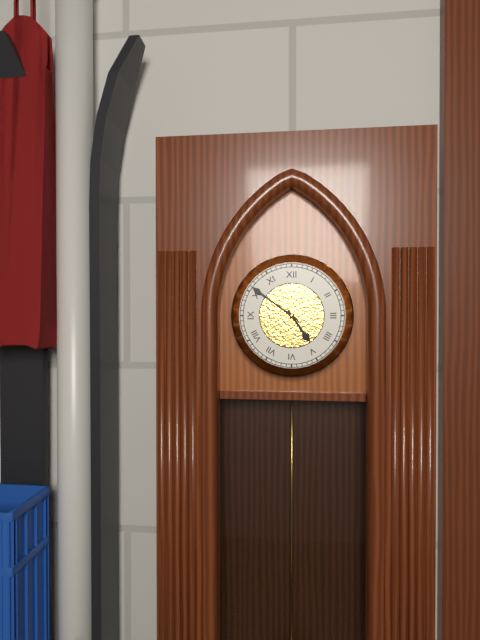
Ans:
h=4 m=51
